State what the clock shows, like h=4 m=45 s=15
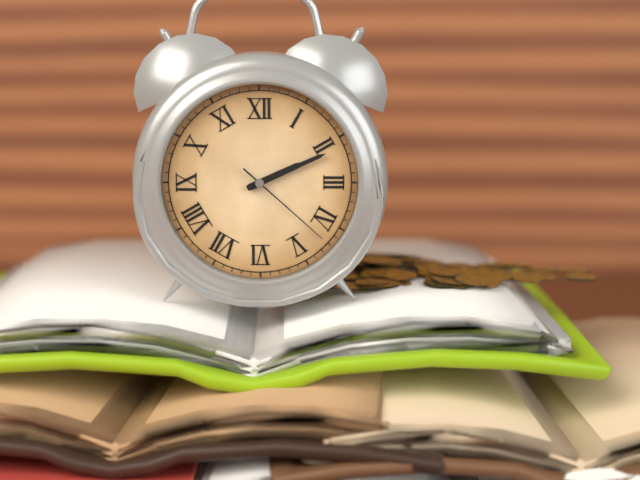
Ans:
h=2 m=11 s=22
